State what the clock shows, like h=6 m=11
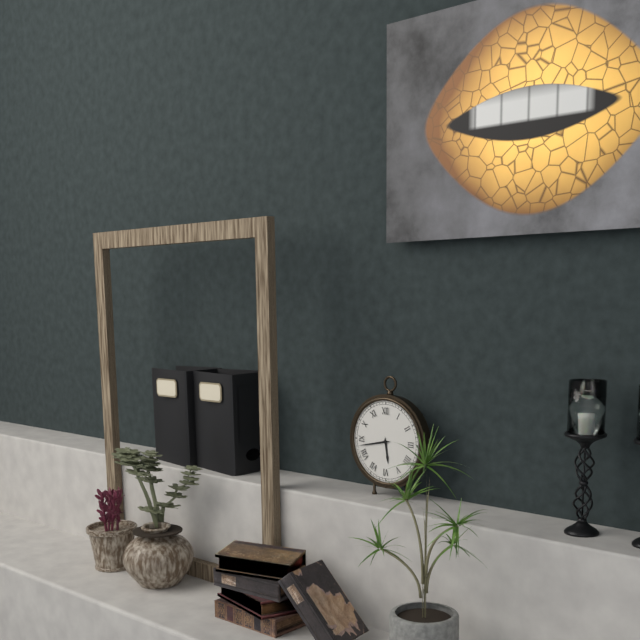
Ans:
h=5 m=43
